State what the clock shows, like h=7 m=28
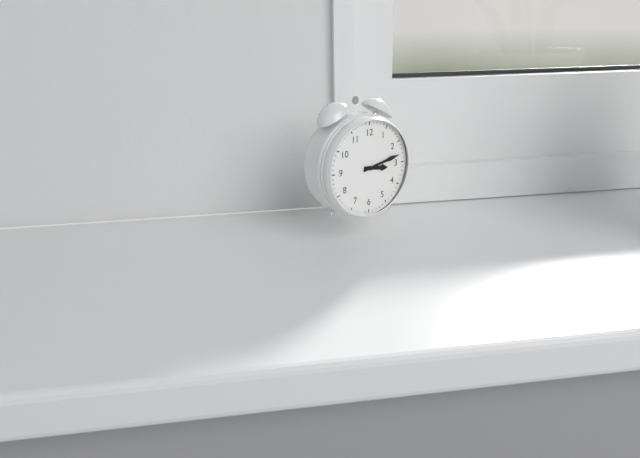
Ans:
h=3 m=13
